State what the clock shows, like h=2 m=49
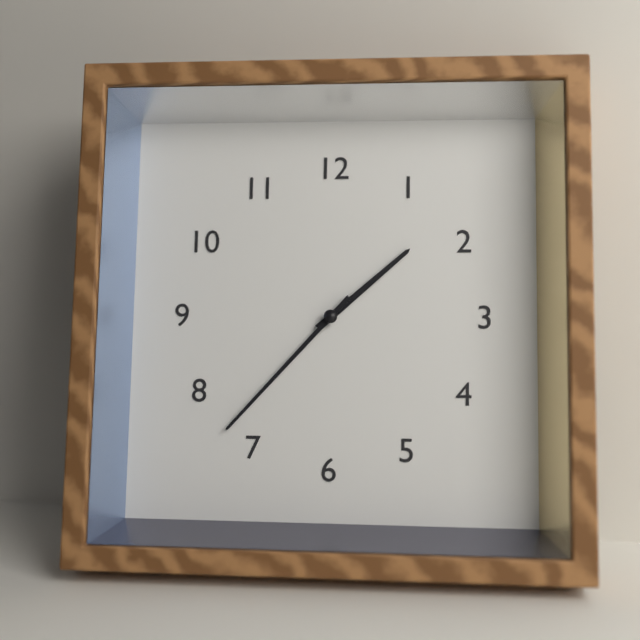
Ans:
h=1 m=37
